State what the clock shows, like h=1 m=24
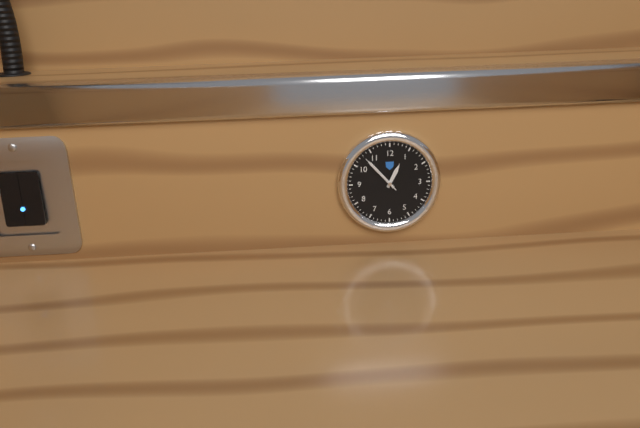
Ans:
h=12 m=53
